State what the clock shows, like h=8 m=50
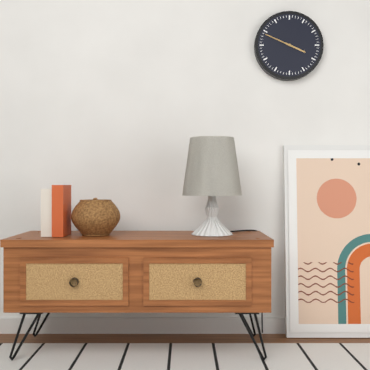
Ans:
h=3 m=49
